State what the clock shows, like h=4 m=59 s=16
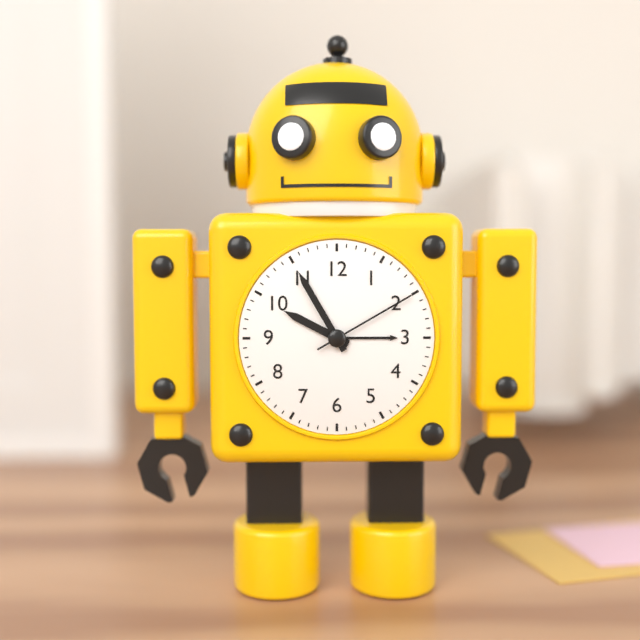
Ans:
h=9 m=55 s=10
